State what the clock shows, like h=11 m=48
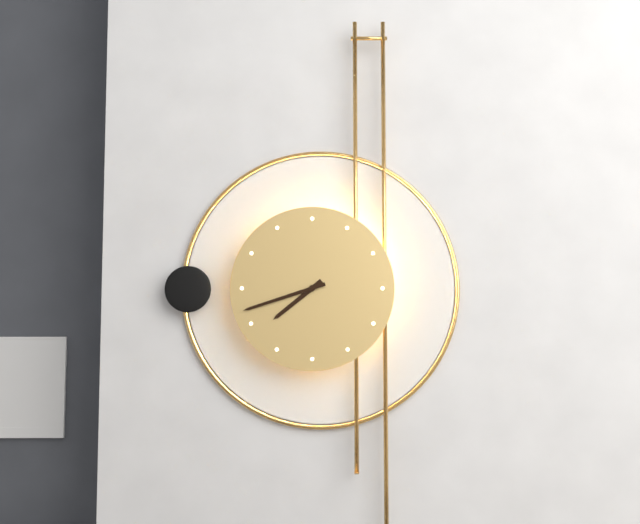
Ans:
h=7 m=42
